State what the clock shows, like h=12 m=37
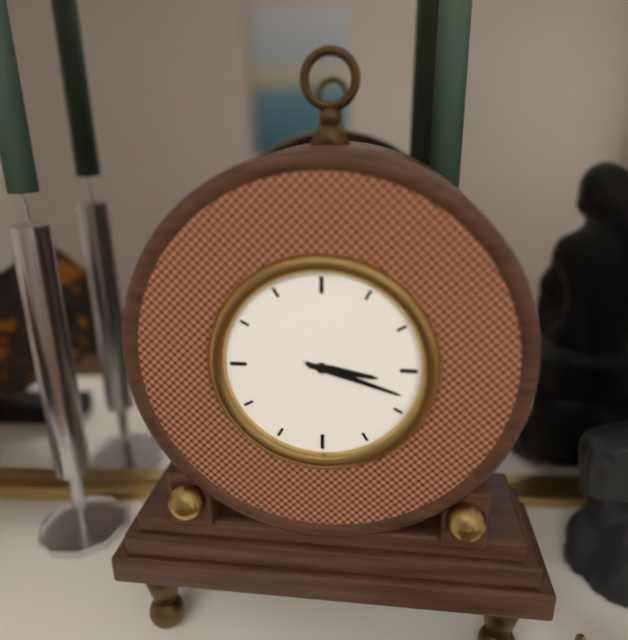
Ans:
h=3 m=18
